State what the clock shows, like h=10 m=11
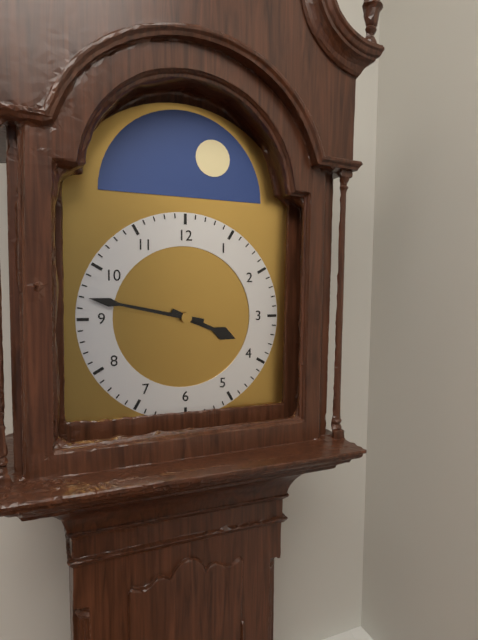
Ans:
h=3 m=47
